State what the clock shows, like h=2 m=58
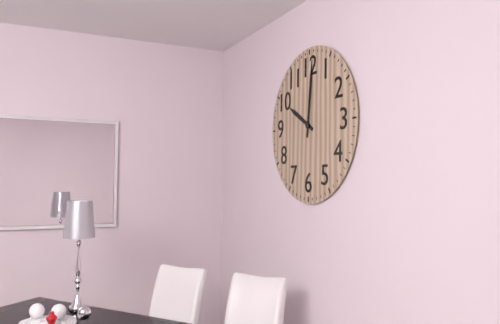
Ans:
h=10 m=1
